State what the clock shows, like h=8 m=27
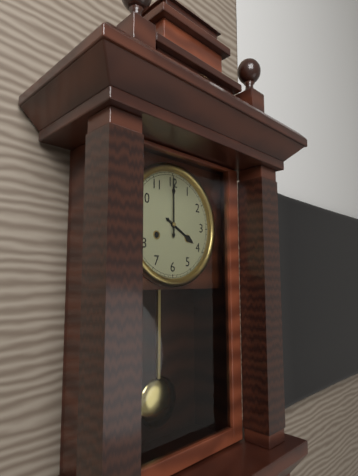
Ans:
h=4 m=0
